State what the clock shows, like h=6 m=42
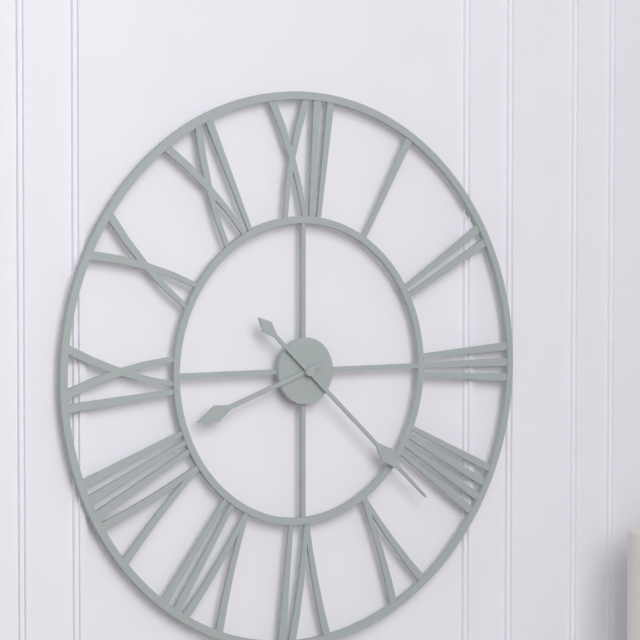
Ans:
h=8 m=22
